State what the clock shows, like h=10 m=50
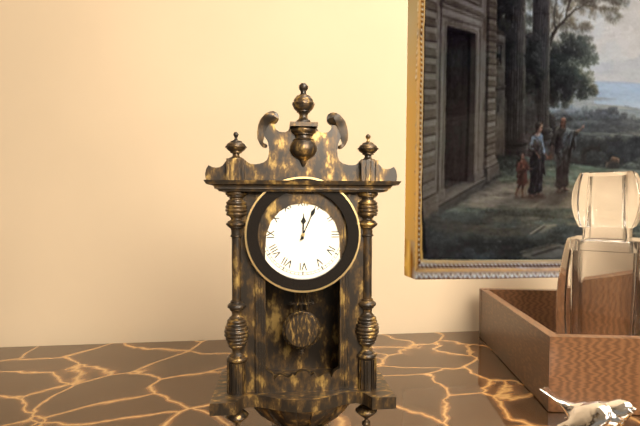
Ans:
h=12 m=4
